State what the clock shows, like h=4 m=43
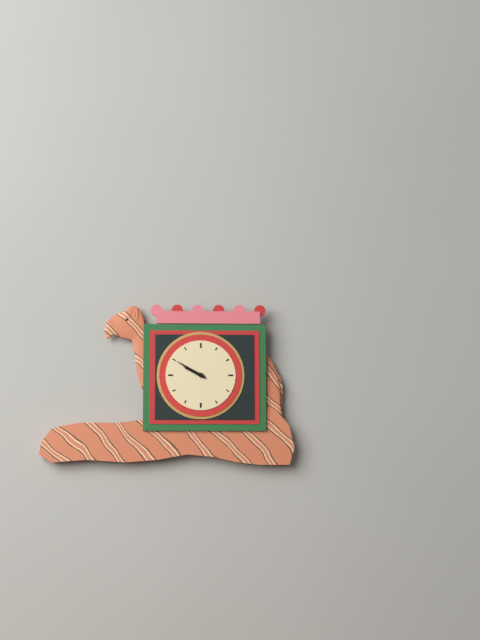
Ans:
h=9 m=50
